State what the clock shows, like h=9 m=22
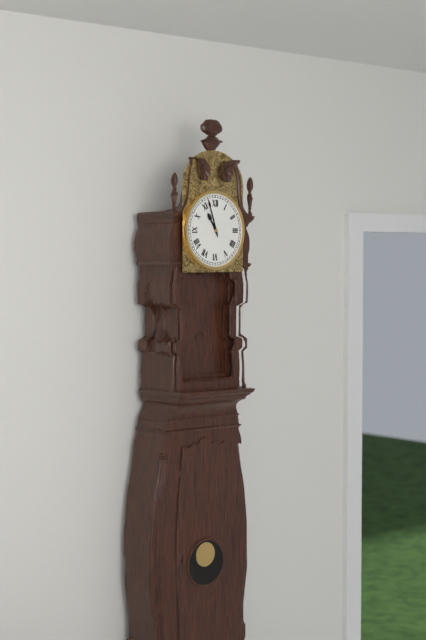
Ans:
h=10 m=57
